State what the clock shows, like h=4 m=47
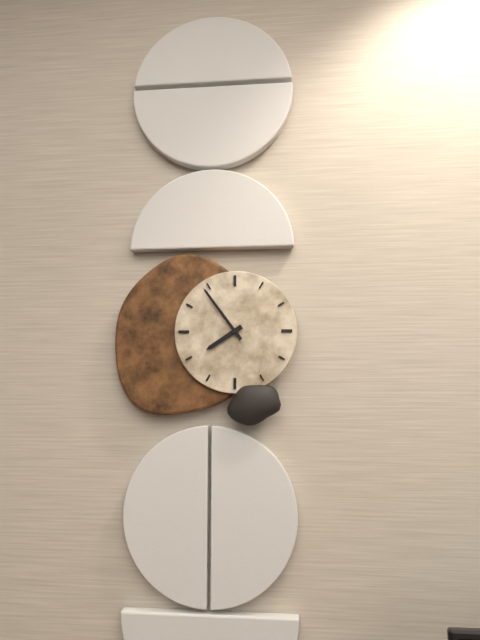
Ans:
h=7 m=54
